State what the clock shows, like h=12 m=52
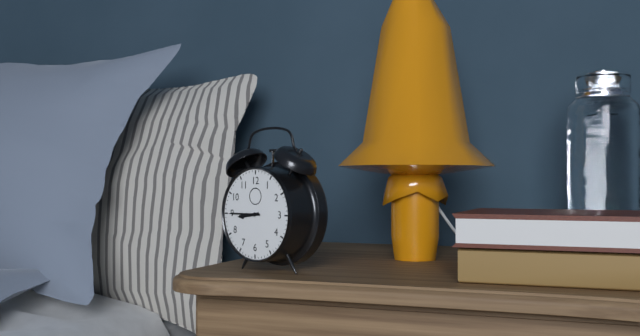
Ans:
h=8 m=45
